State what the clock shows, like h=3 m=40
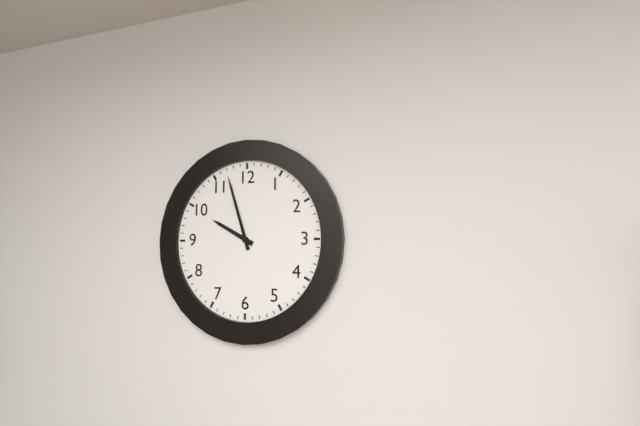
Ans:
h=9 m=57
